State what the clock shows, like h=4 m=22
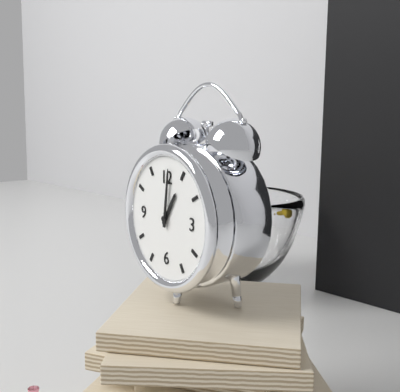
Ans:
h=1 m=1
